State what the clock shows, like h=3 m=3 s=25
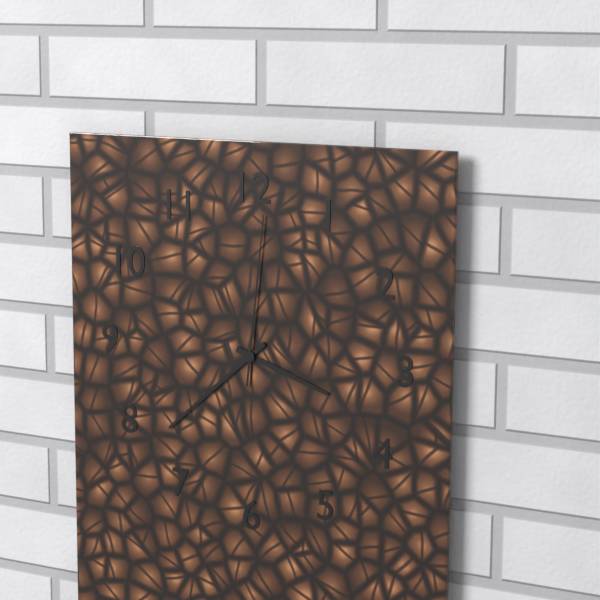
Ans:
h=3 m=38 s=1
